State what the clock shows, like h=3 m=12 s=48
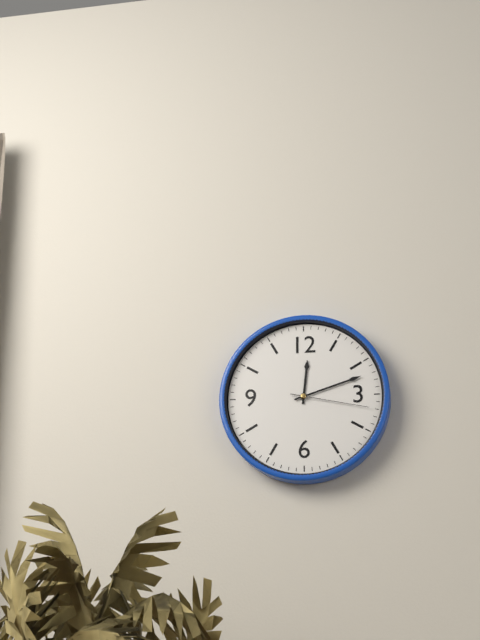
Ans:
h=12 m=12 s=17
